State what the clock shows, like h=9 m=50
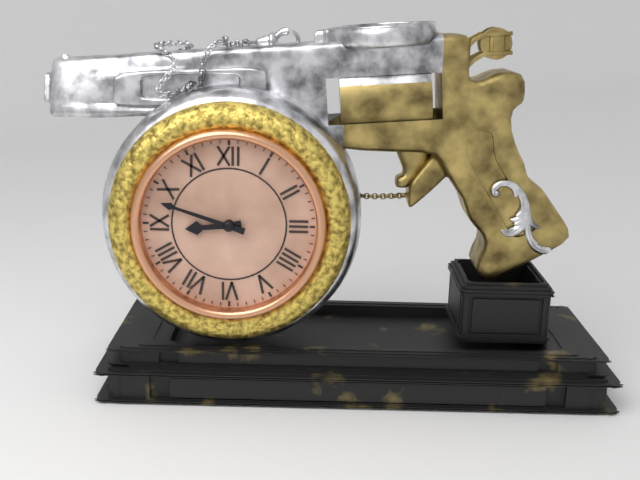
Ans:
h=8 m=48
